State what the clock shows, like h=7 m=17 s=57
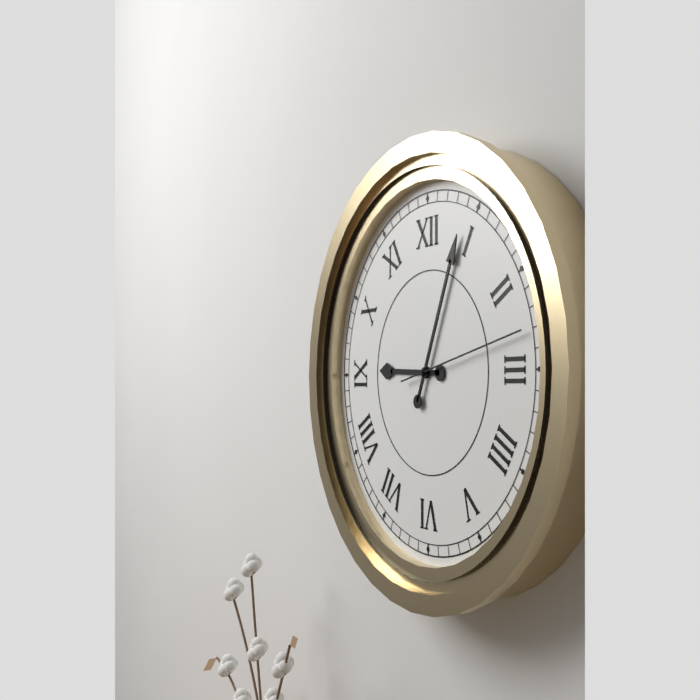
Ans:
h=9 m=4 s=13
